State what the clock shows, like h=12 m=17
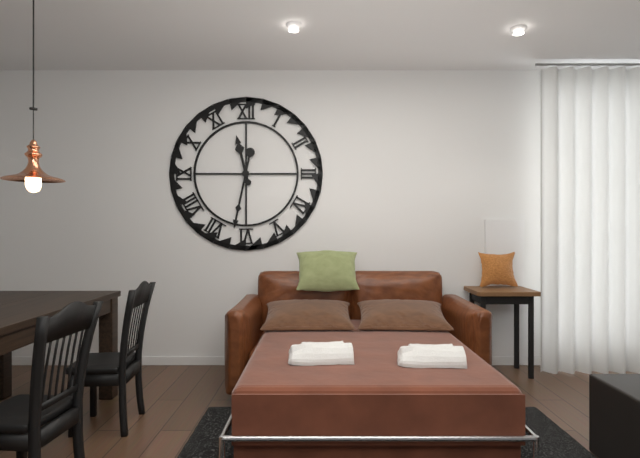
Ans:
h=11 m=32
